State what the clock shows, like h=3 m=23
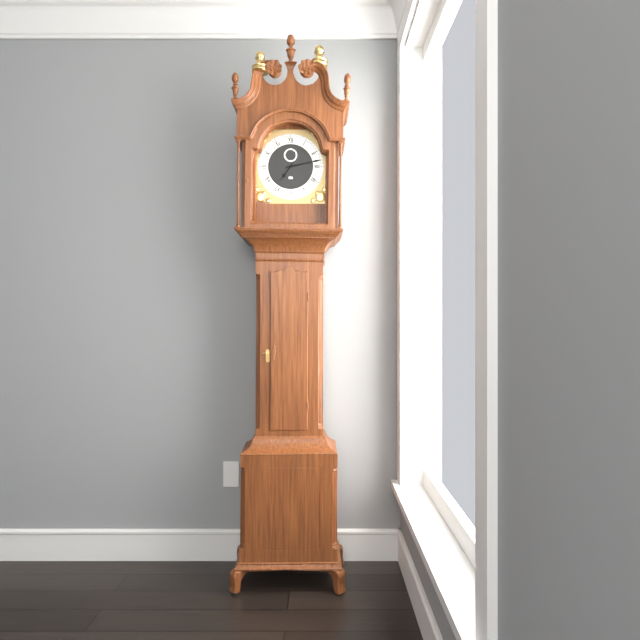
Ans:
h=7 m=13
